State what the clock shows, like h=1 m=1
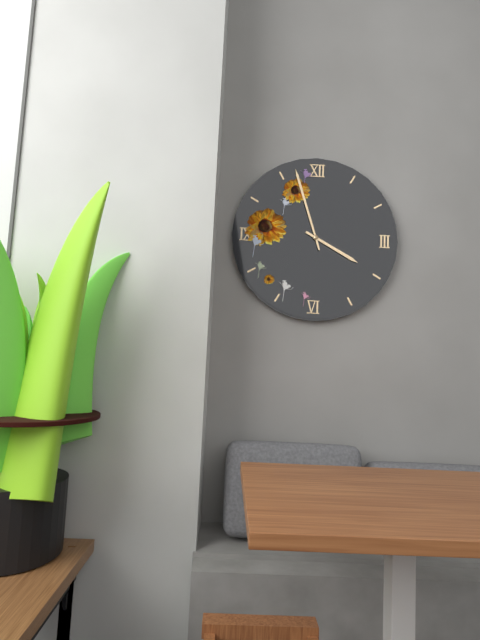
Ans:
h=3 m=57
